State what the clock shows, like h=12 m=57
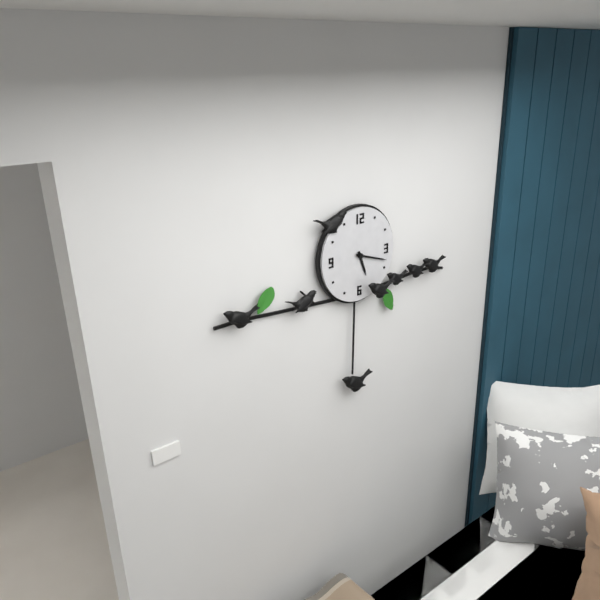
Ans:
h=5 m=18
